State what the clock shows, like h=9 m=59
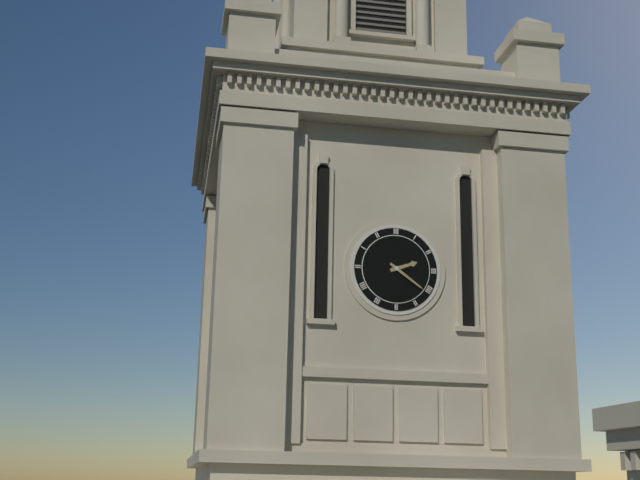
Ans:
h=2 m=21
